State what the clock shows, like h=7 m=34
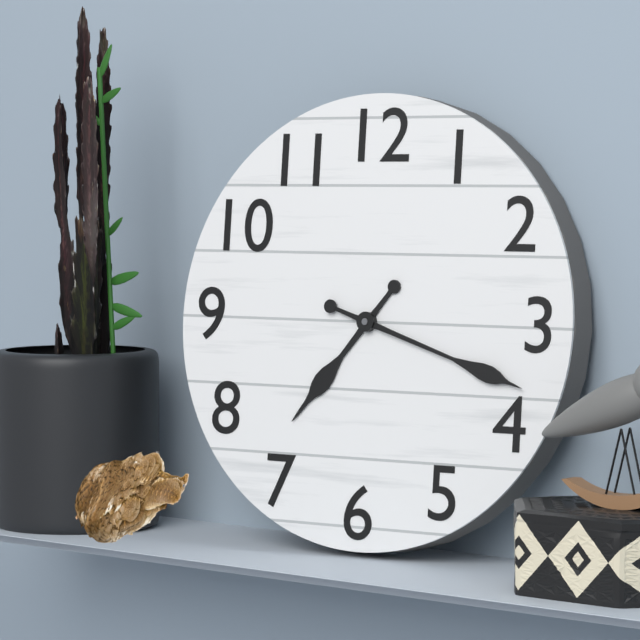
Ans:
h=7 m=18
